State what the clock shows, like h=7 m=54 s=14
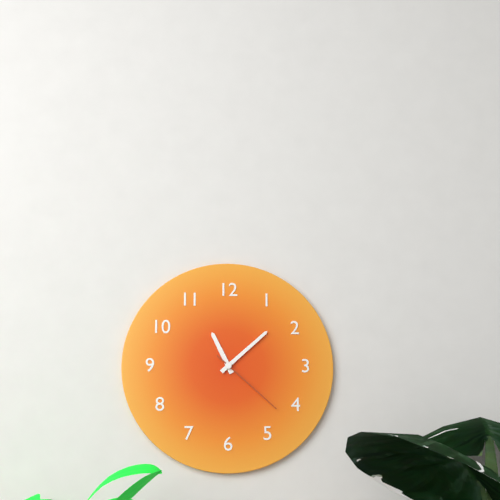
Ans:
h=11 m=8 s=22
